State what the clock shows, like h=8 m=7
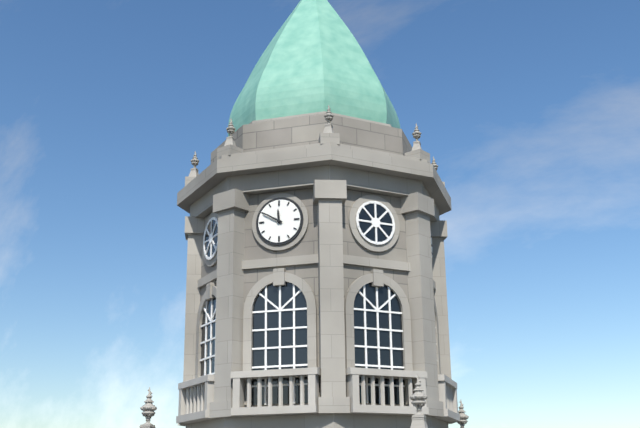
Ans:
h=11 m=50
